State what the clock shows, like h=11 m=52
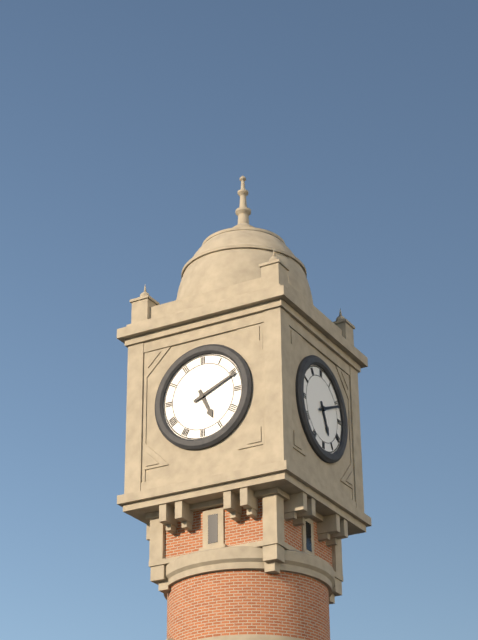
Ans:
h=5 m=11
